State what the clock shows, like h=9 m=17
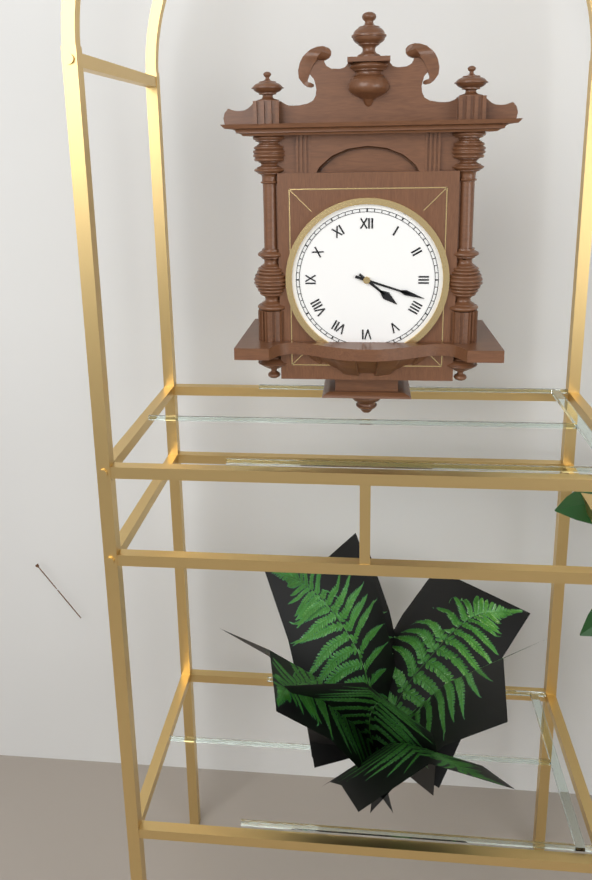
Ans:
h=4 m=18
